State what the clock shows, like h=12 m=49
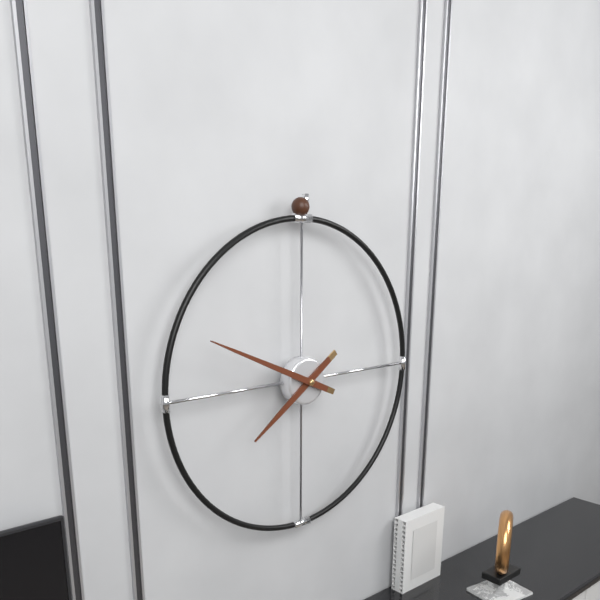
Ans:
h=7 m=49
